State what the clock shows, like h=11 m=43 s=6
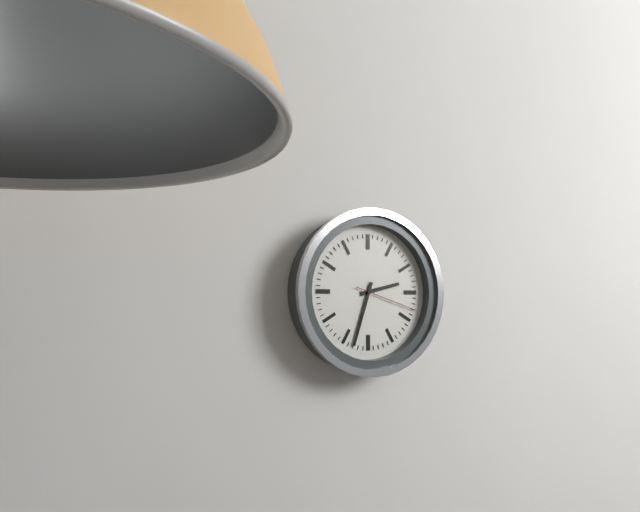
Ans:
h=2 m=33 s=18
